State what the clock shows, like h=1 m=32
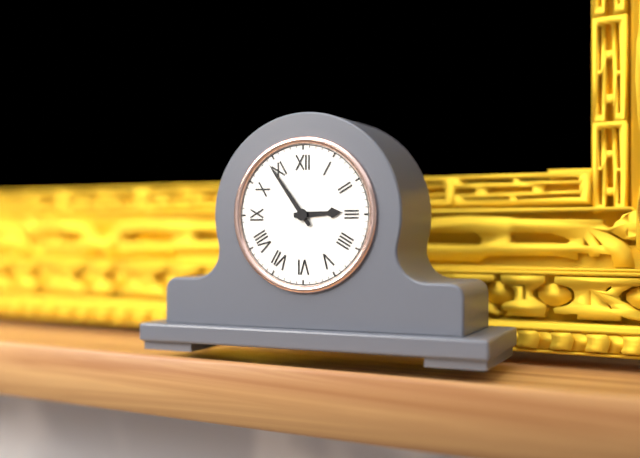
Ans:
h=2 m=54
